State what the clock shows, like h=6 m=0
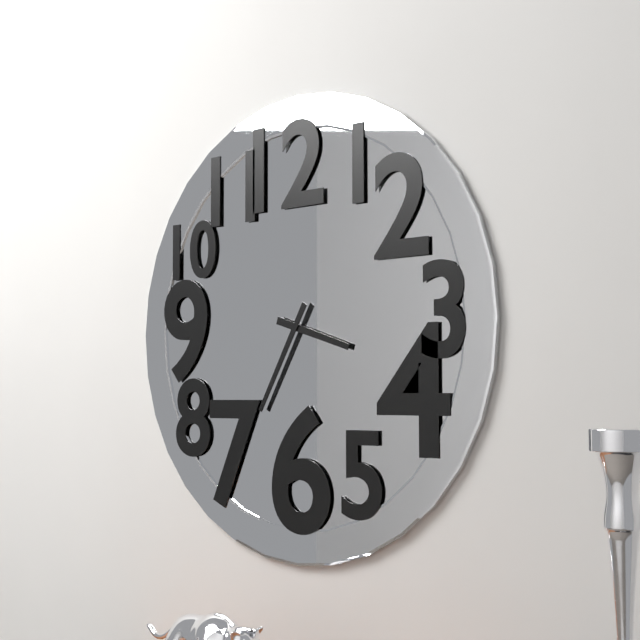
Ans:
h=3 m=35
